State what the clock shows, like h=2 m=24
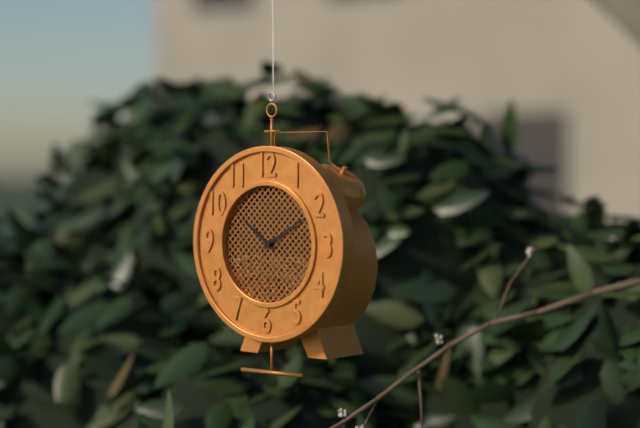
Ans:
h=10 m=10
